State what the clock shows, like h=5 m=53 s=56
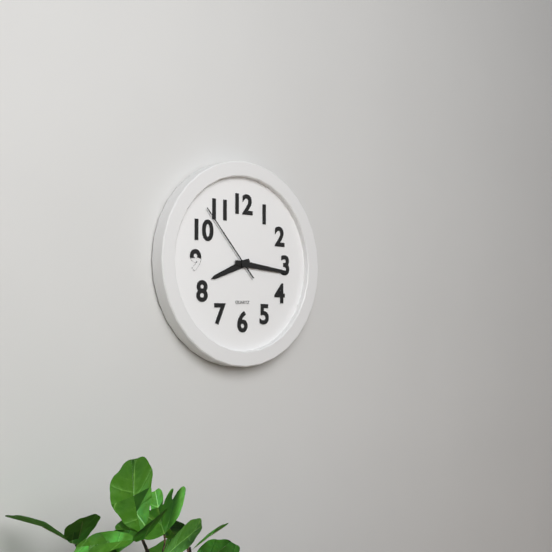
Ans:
h=8 m=16 s=53
